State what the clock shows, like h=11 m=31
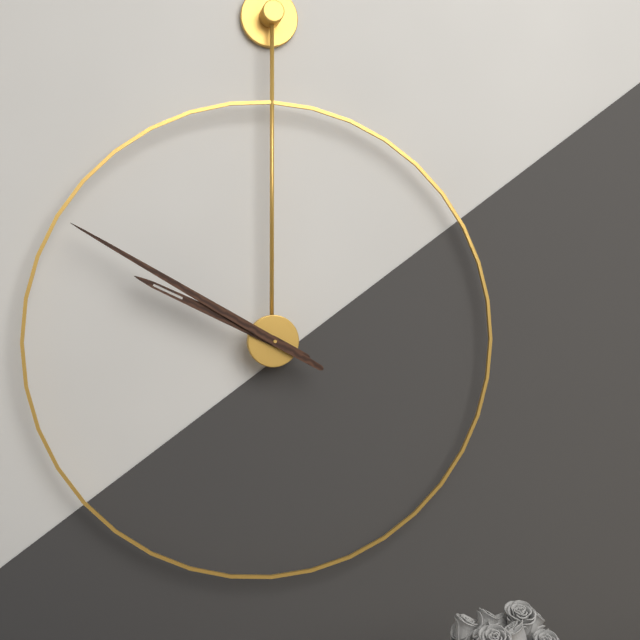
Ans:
h=9 m=50
